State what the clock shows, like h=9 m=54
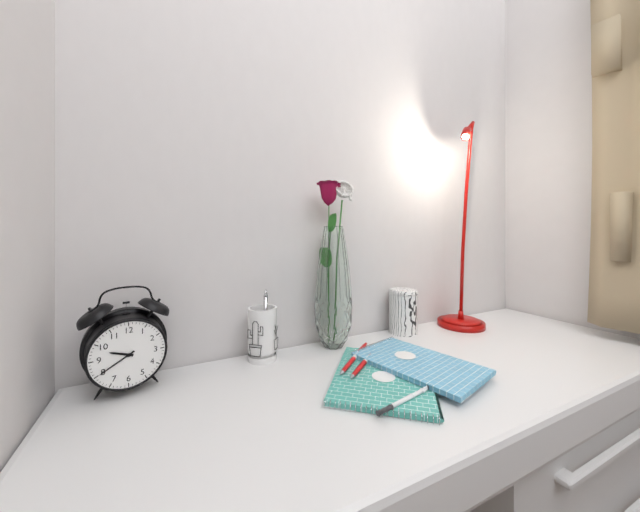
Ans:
h=9 m=40
